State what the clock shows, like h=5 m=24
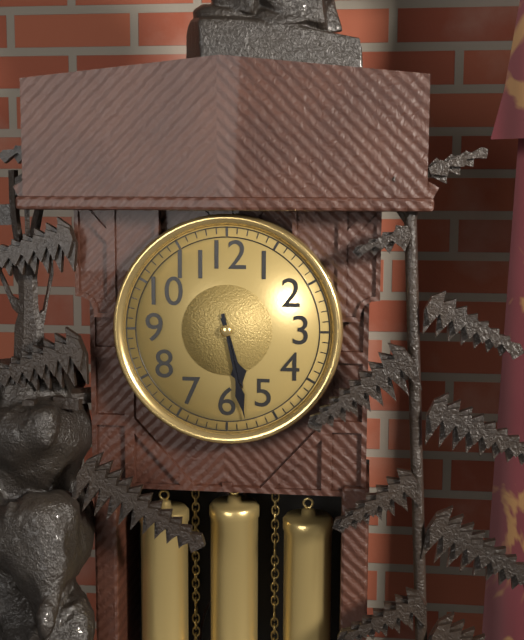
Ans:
h=5 m=28
